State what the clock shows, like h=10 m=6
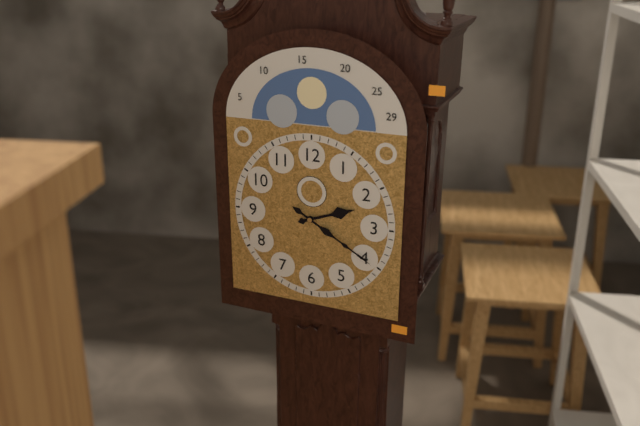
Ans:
h=2 m=20
